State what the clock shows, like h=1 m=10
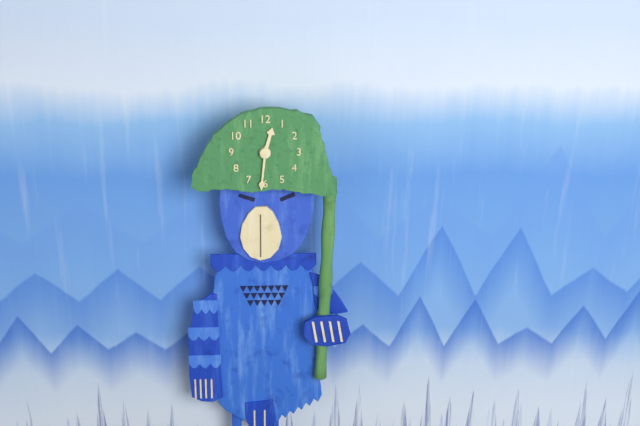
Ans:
h=12 m=31
